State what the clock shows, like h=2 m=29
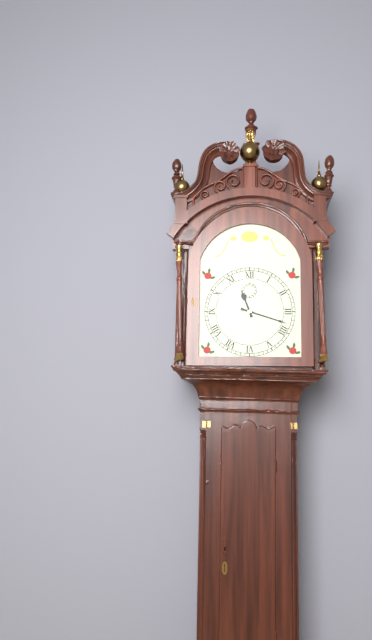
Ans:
h=11 m=18
